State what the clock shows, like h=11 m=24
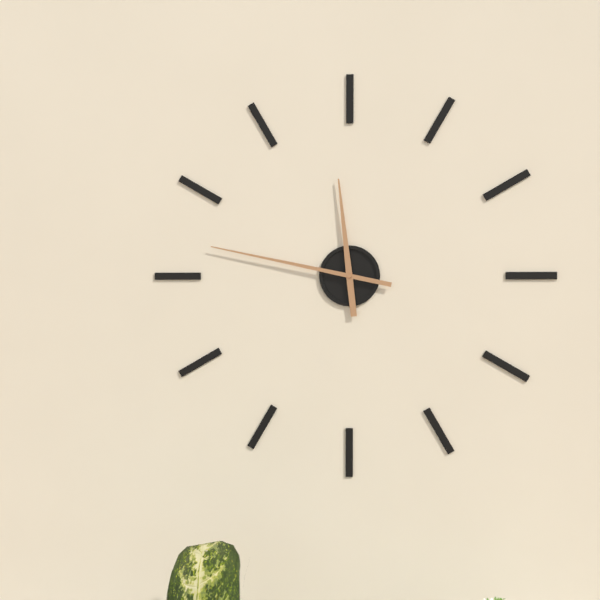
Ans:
h=11 m=47
